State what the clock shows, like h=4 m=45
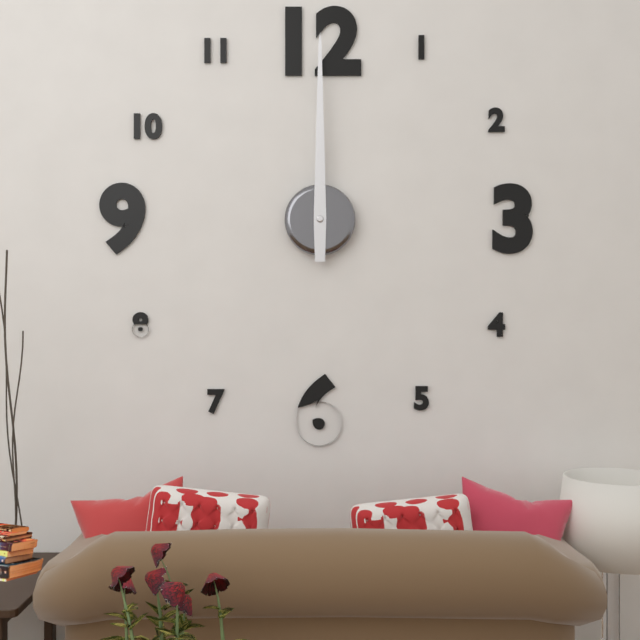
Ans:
h=12 m=0
